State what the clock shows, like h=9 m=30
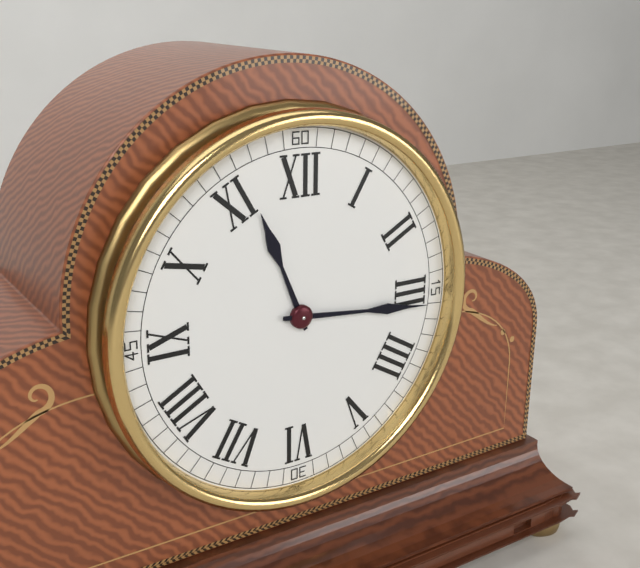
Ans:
h=11 m=16
